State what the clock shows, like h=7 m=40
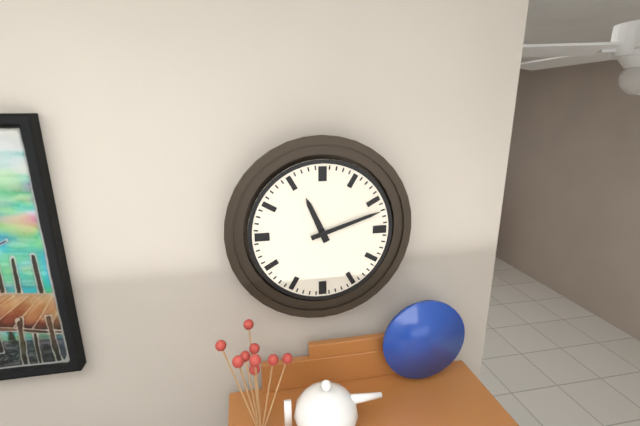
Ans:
h=11 m=12
